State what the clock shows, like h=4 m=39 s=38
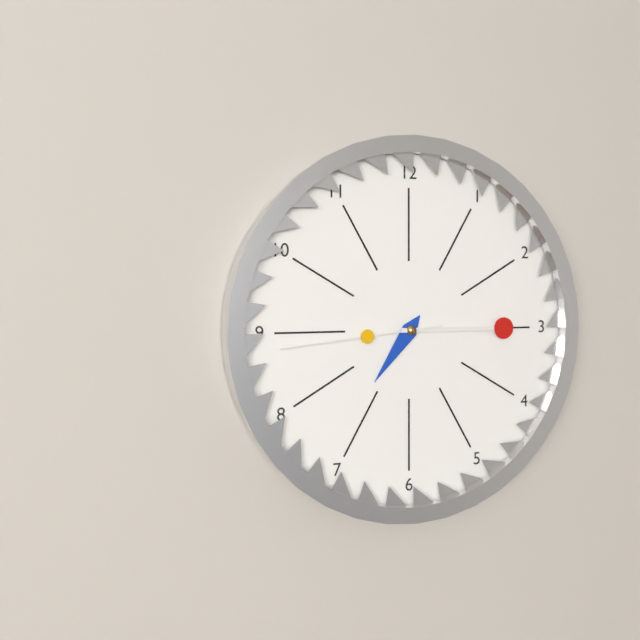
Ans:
h=7 m=15 s=44
